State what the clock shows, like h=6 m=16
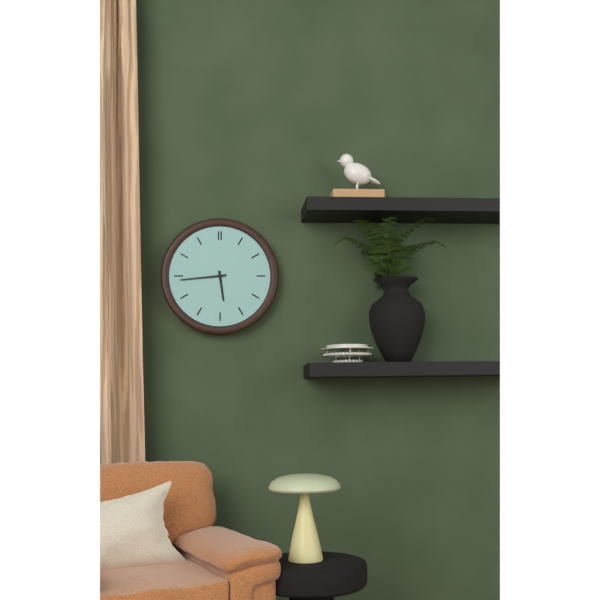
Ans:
h=5 m=44
